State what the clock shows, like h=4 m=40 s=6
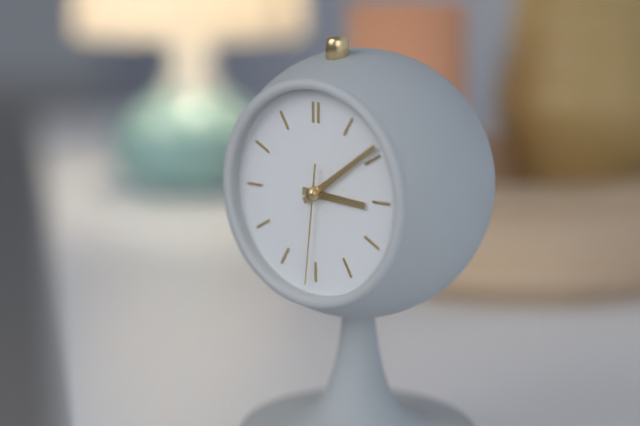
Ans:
h=3 m=9 s=31
